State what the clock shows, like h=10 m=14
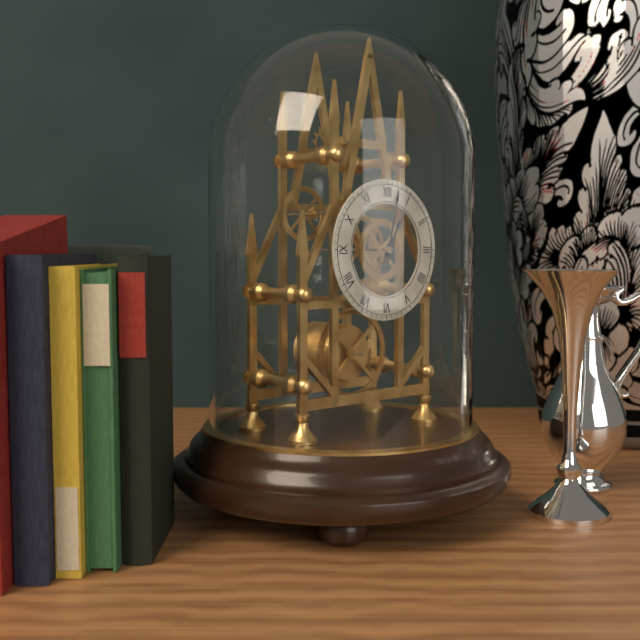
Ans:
h=1 m=2
